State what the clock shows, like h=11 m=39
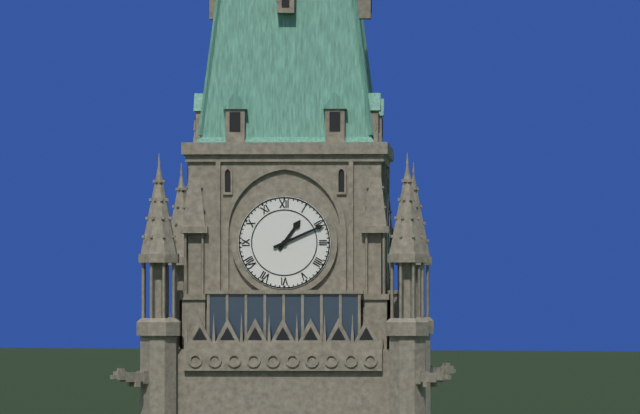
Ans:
h=1 m=11
